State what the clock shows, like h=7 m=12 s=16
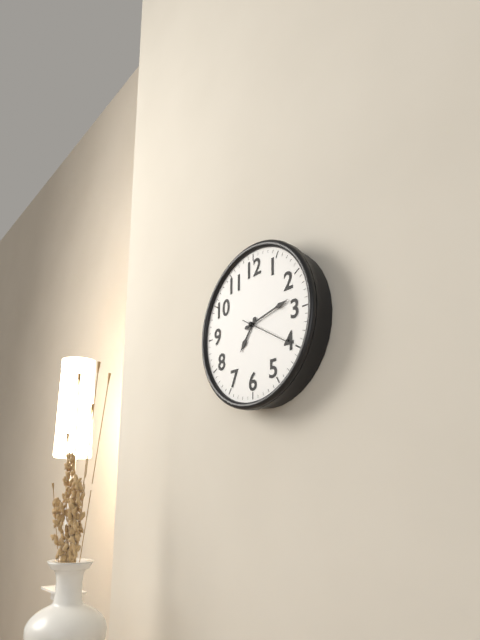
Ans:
h=7 m=13 s=20
